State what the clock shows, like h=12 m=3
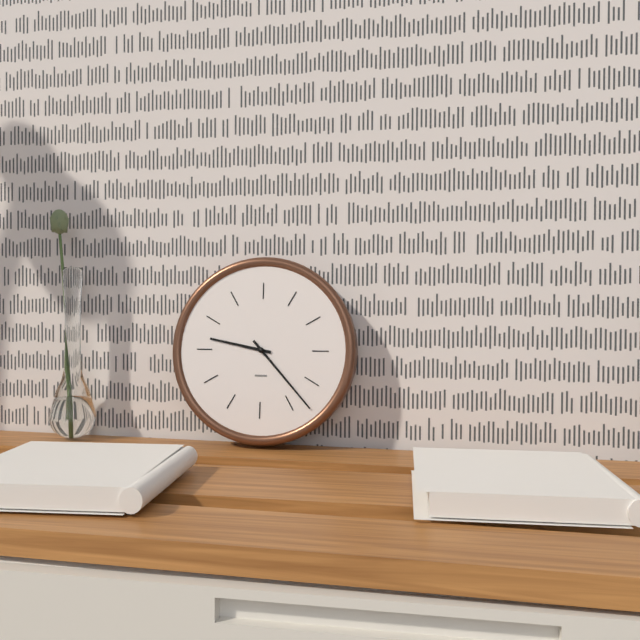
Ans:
h=9 m=23
